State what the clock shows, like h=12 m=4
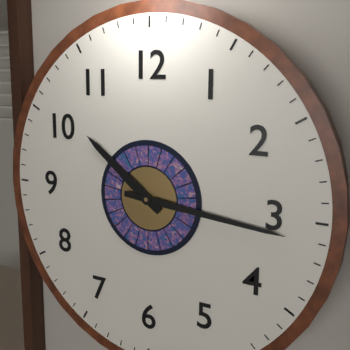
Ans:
h=10 m=16
